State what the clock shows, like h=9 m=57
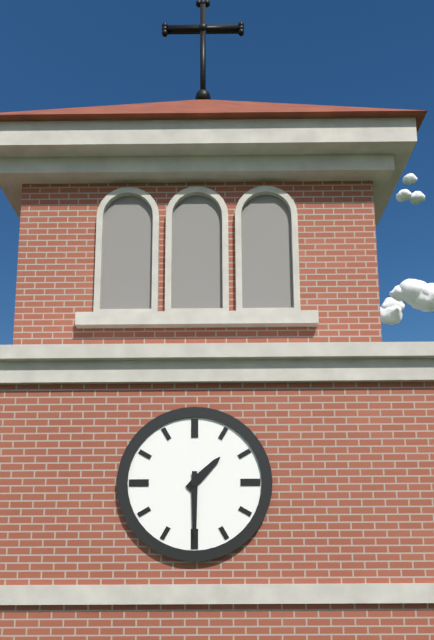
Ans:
h=1 m=30
